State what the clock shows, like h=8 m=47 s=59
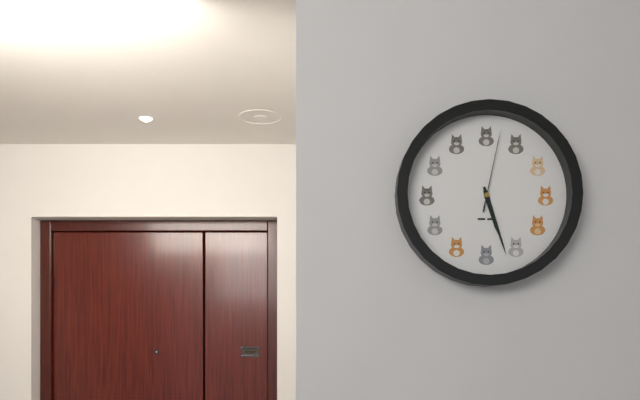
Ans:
h=5 m=27 s=2
